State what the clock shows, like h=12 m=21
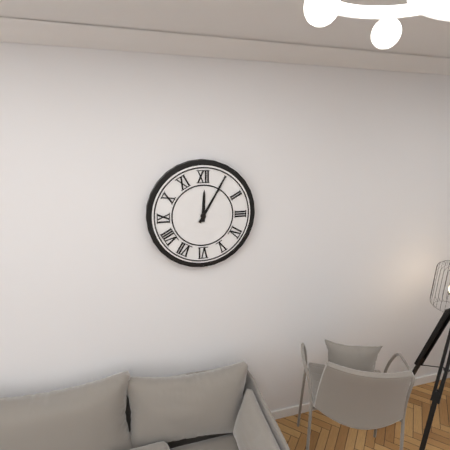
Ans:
h=12 m=5
